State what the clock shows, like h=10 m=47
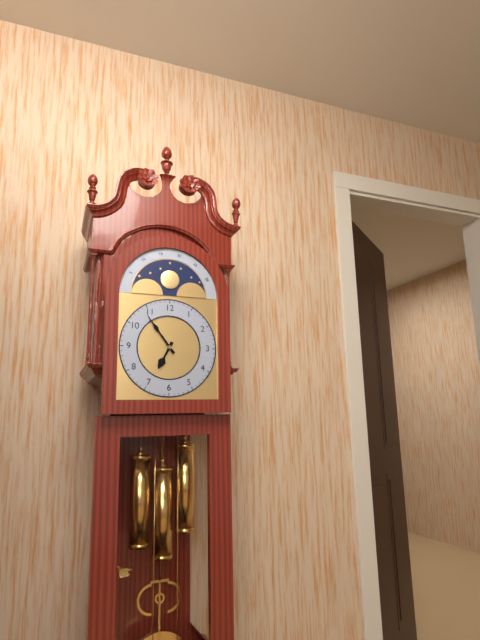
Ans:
h=6 m=54
